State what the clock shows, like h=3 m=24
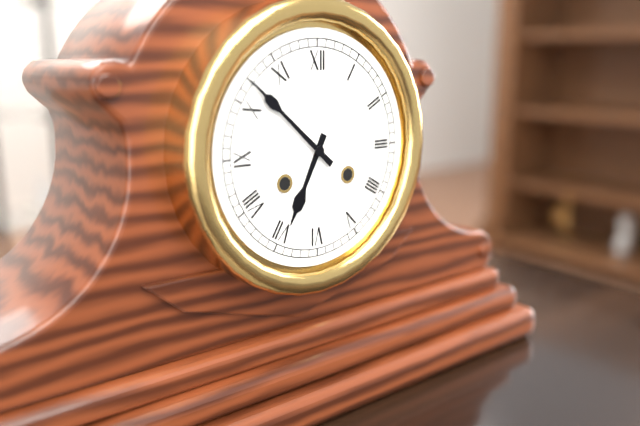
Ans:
h=6 m=52
